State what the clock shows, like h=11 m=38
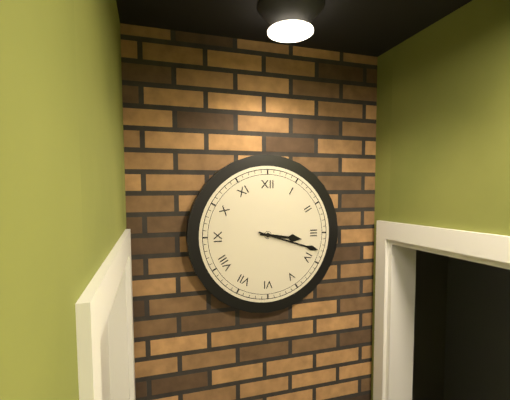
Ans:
h=3 m=18
